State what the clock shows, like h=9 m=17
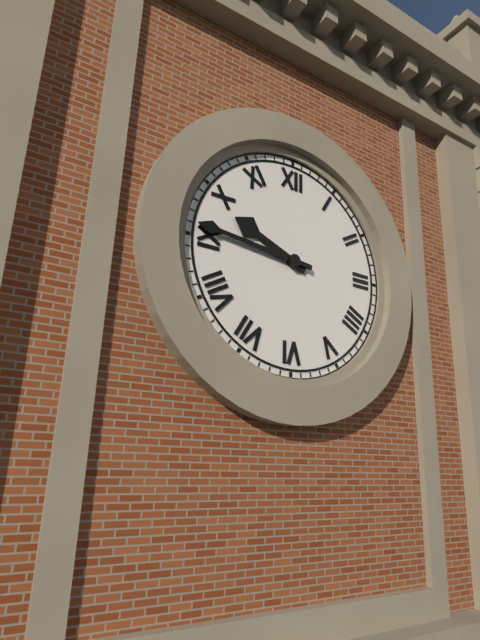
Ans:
h=9 m=46
